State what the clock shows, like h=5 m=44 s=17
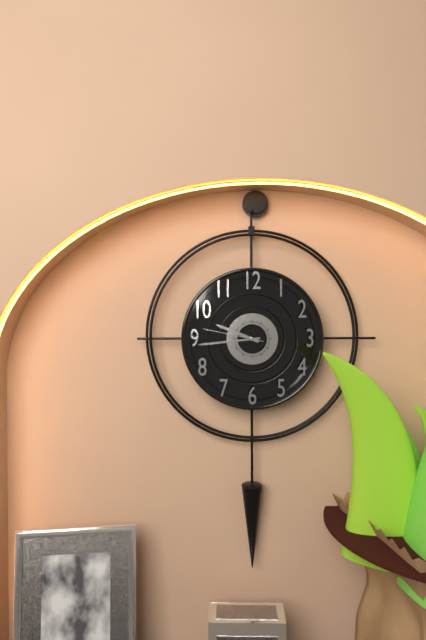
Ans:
h=9 m=44 s=47
